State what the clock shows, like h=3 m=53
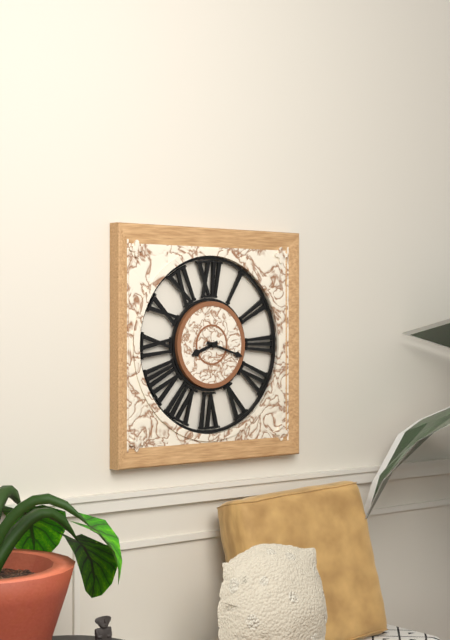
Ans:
h=8 m=18
